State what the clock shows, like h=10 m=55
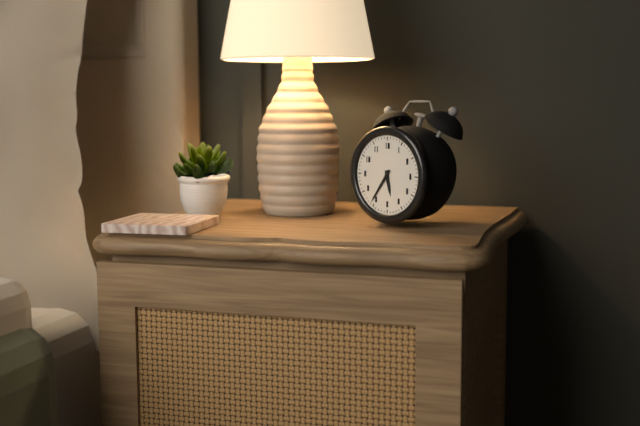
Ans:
h=5 m=36
